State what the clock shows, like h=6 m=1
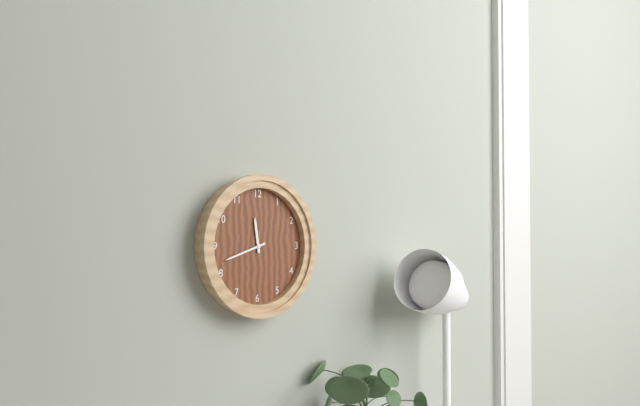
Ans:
h=11 m=42
